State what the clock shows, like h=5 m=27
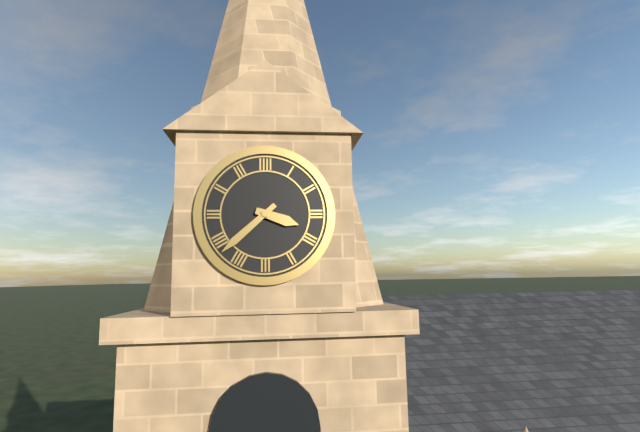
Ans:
h=3 m=38
